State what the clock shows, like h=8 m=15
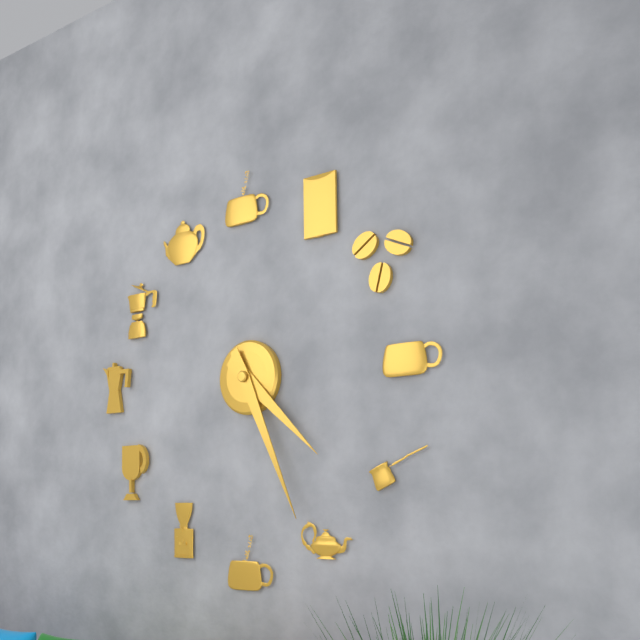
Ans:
h=4 m=26
